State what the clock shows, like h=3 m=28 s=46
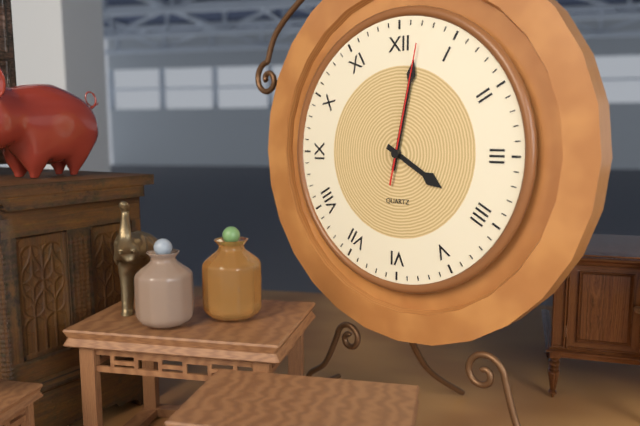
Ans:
h=4 m=2 s=2
